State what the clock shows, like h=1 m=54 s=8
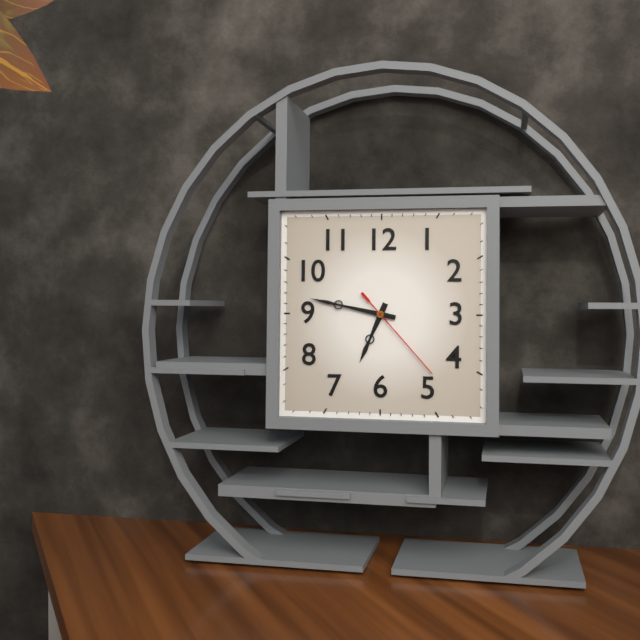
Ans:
h=6 m=47 s=23
